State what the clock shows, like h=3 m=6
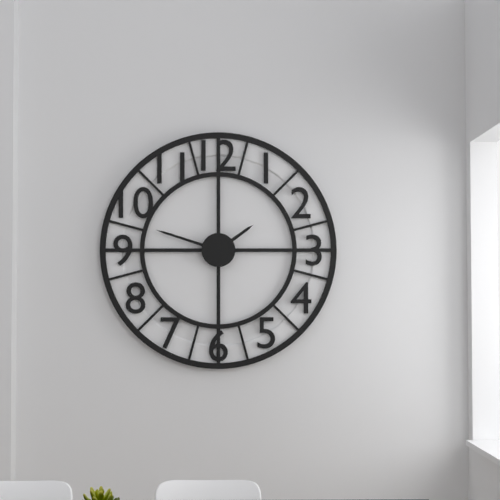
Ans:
h=1 m=48
